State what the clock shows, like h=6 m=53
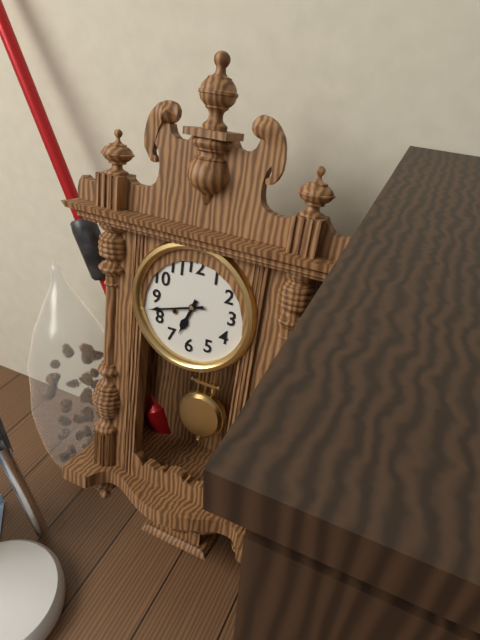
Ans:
h=6 m=42
